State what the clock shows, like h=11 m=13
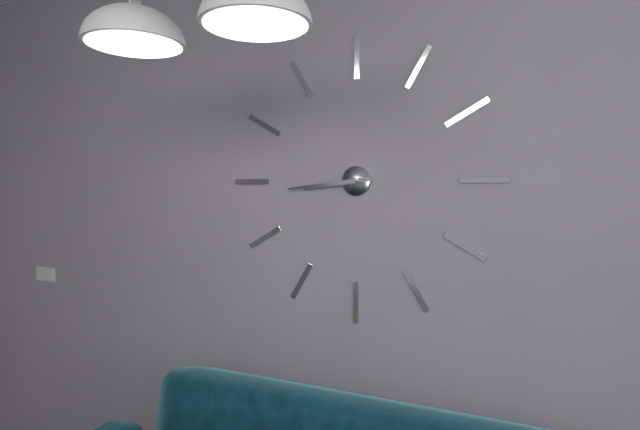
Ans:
h=8 m=44
